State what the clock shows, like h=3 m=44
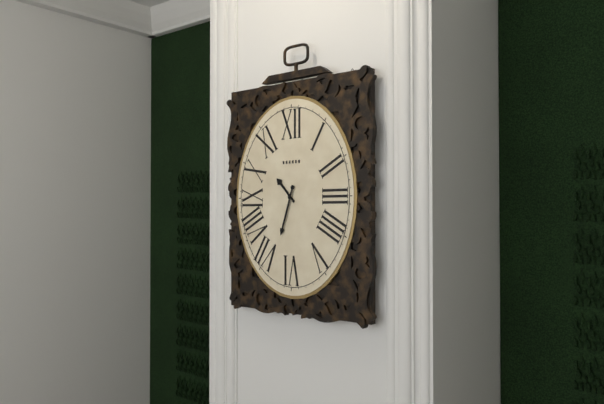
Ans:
h=10 m=33
